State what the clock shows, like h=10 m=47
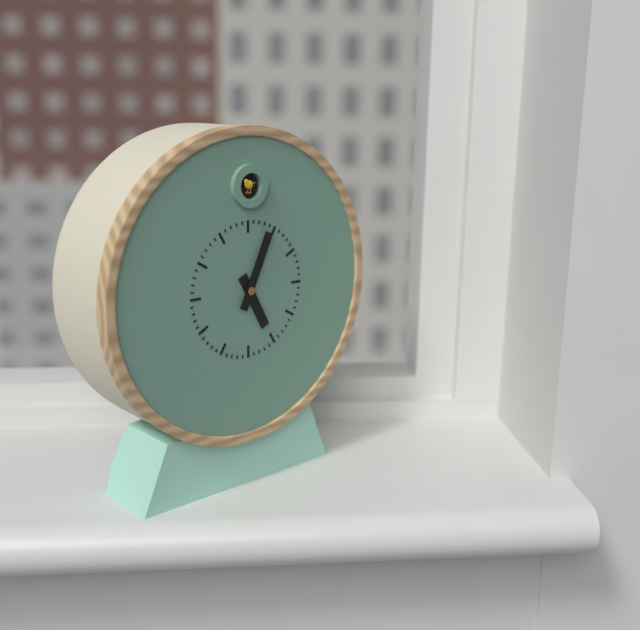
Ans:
h=5 m=4
